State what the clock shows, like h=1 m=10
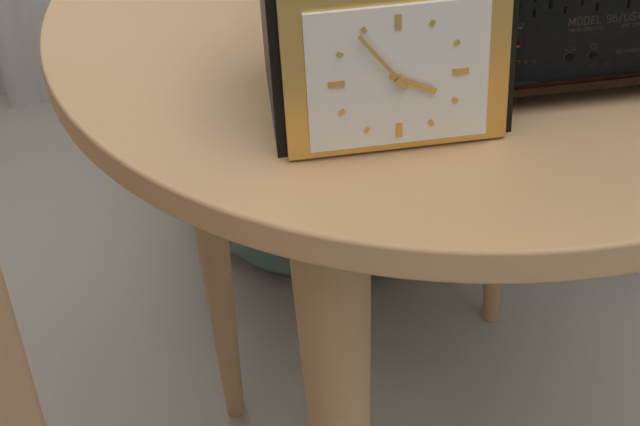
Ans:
h=3 m=54
